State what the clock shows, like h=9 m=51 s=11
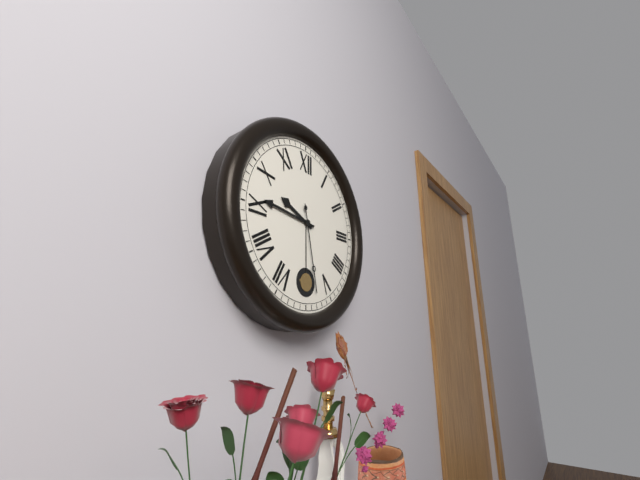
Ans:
h=9 m=46 s=28
